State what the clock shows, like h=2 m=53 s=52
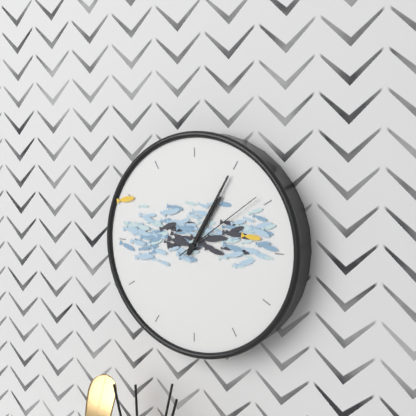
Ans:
h=1 m=5 s=9
